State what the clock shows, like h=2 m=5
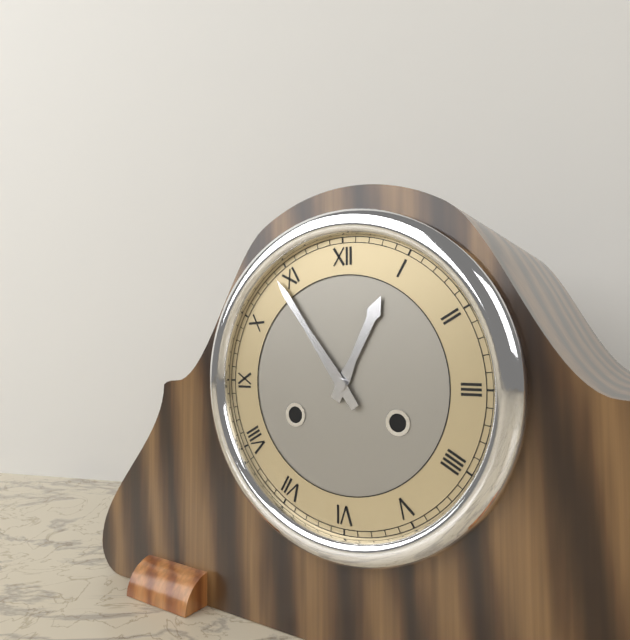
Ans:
h=12 m=54
